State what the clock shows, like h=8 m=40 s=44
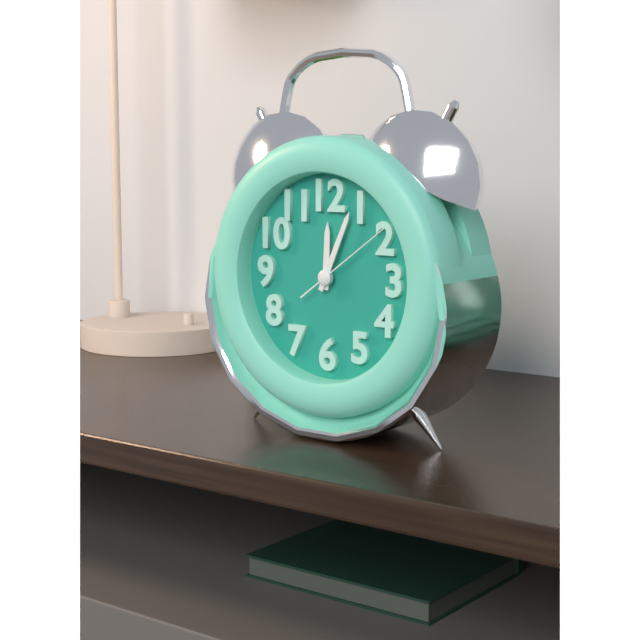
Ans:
h=12 m=4 s=9
